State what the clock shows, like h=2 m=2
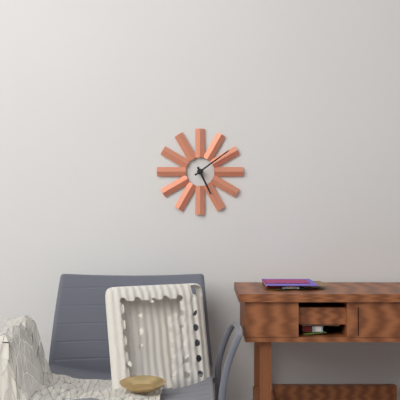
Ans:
h=5 m=9
